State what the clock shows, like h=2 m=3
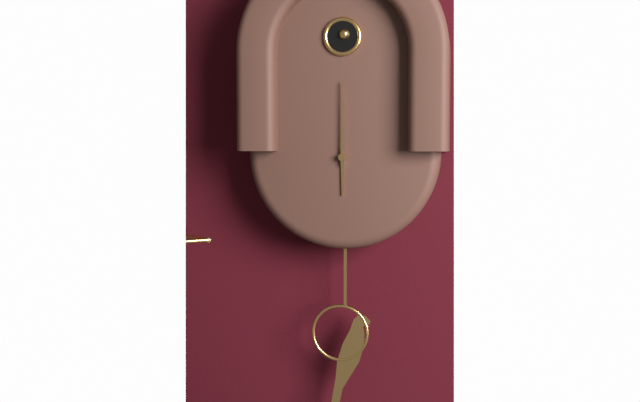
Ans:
h=6 m=0
